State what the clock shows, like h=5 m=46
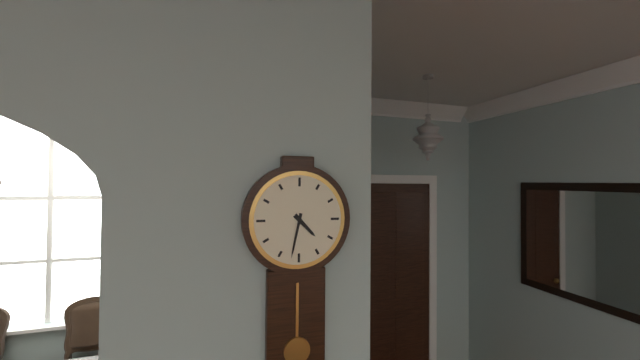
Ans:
h=4 m=32
